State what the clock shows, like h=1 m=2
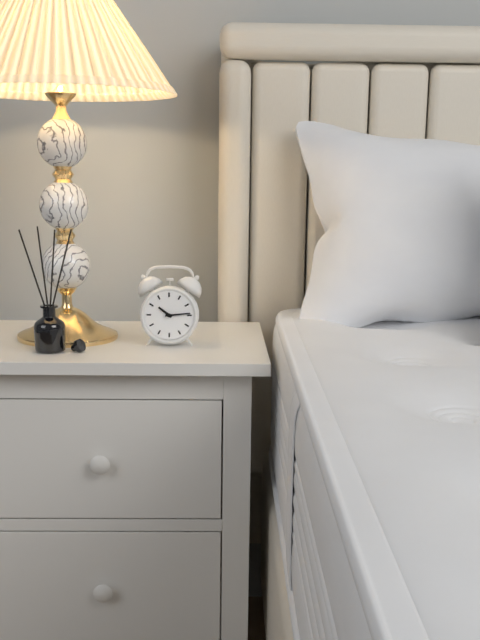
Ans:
h=10 m=14
